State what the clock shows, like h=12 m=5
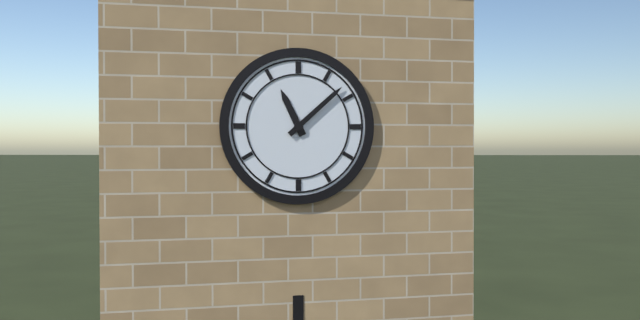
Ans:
h=11 m=8
